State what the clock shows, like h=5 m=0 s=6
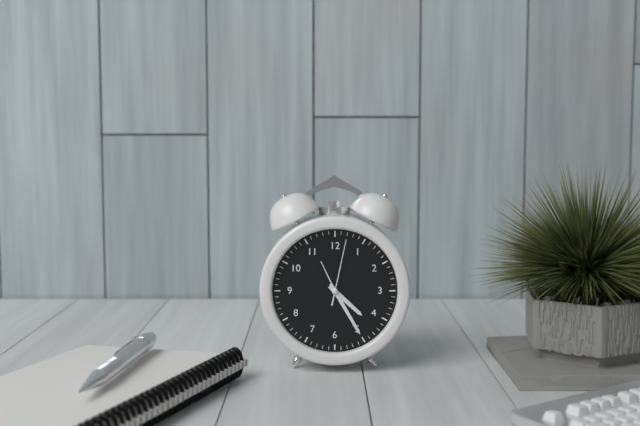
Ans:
h=4 m=25 s=2
